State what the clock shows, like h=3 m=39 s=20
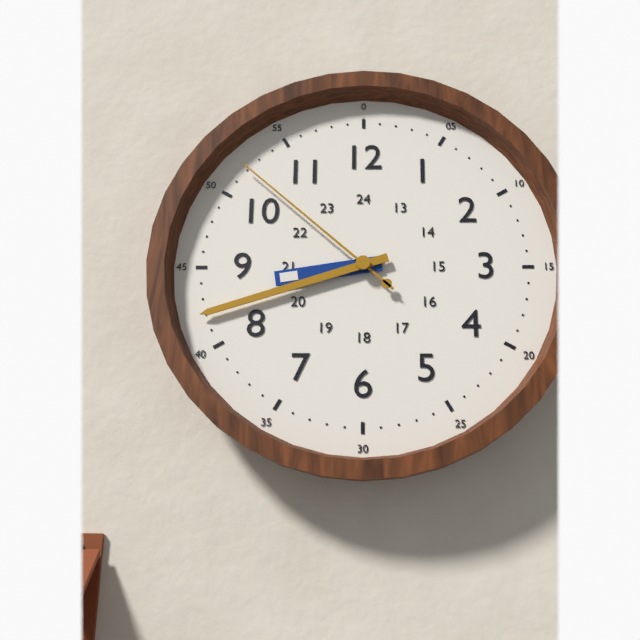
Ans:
h=8 m=42 s=52
